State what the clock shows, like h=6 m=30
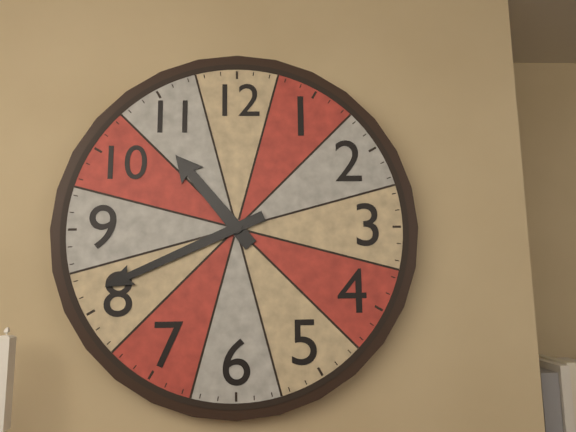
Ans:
h=10 m=41
